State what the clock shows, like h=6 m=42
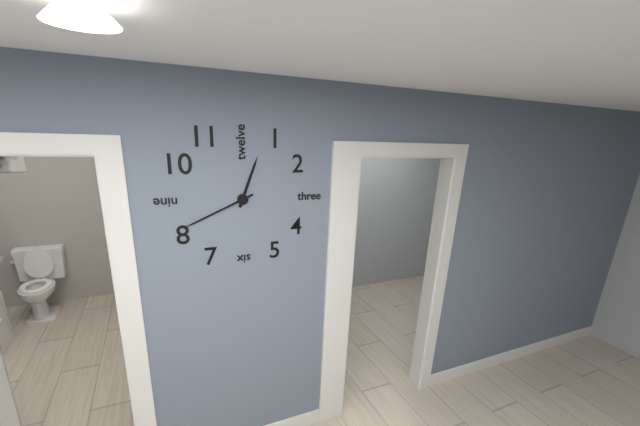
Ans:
h=12 m=41
